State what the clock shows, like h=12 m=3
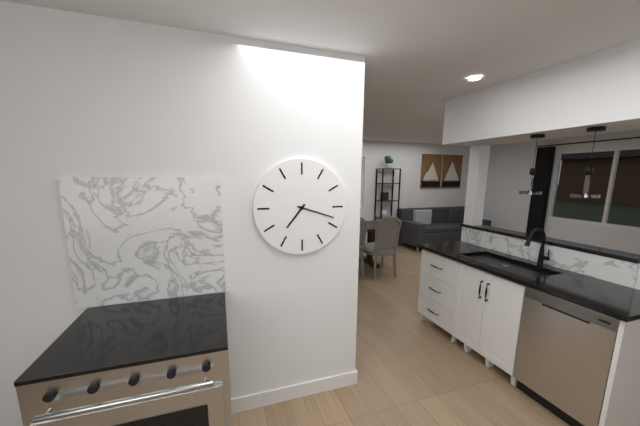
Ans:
h=7 m=18
